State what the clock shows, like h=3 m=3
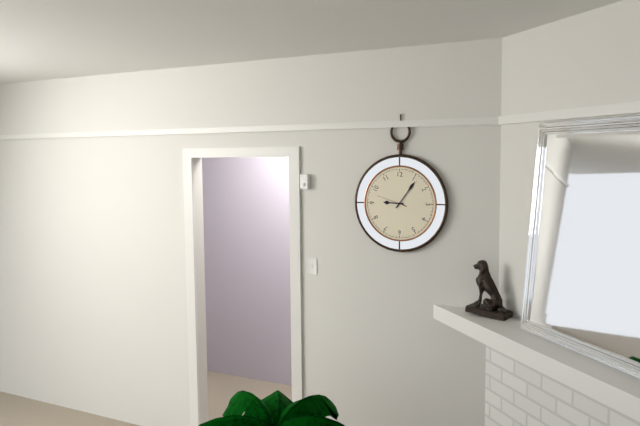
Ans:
h=9 m=6
